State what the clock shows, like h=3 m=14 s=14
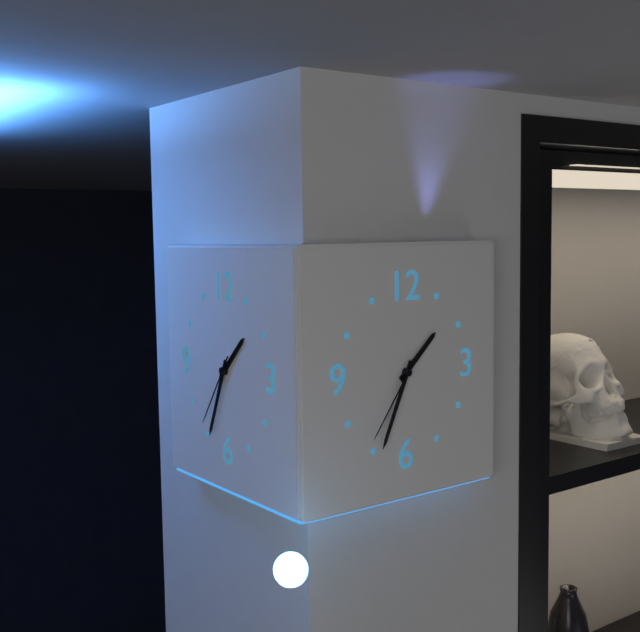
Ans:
h=1 m=34 s=36
